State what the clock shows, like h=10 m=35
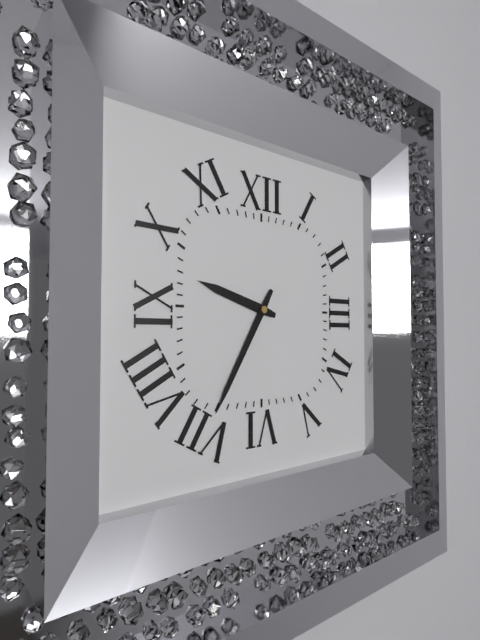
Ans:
h=9 m=35
